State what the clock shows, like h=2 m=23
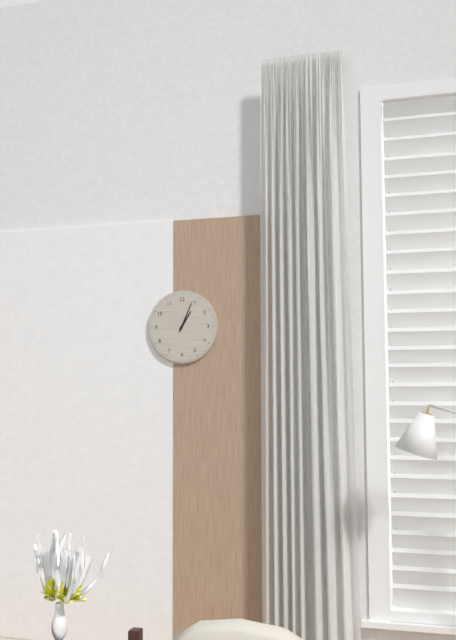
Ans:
h=1 m=4
